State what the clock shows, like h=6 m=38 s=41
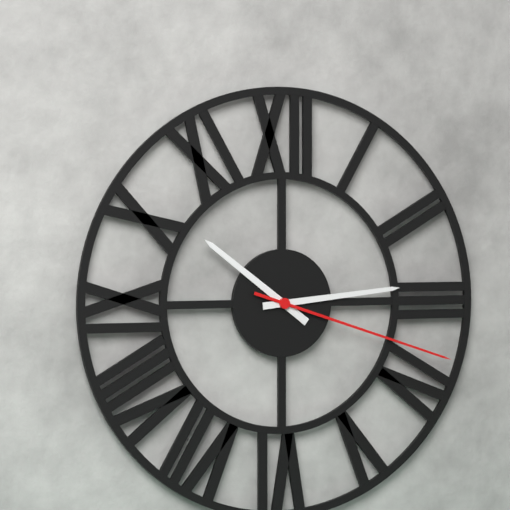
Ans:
h=10 m=14 s=18
